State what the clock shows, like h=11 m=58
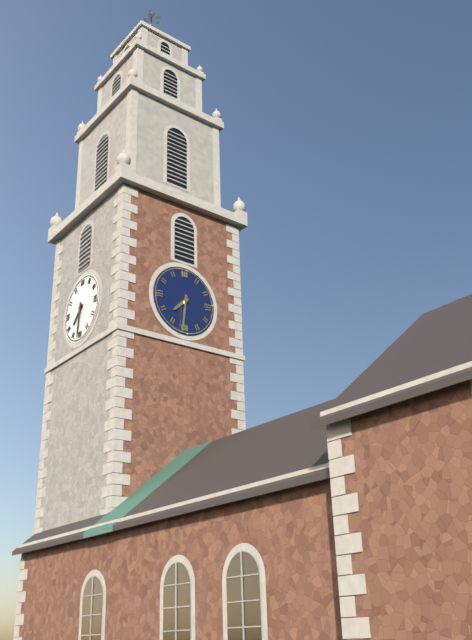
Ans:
h=7 m=31
